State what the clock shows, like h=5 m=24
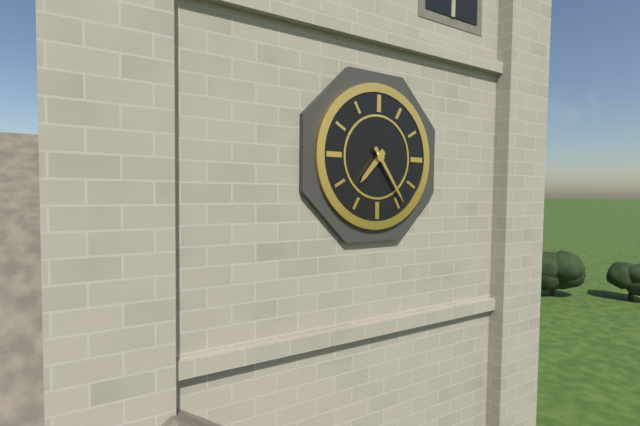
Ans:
h=7 m=24
